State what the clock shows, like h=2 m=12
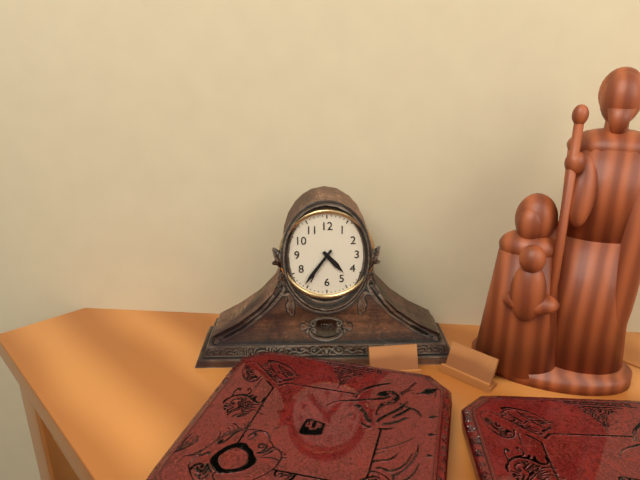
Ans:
h=4 m=36
